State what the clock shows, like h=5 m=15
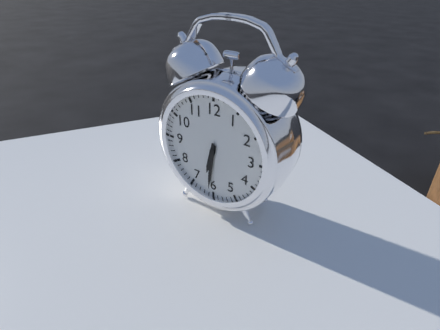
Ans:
h=6 m=31
